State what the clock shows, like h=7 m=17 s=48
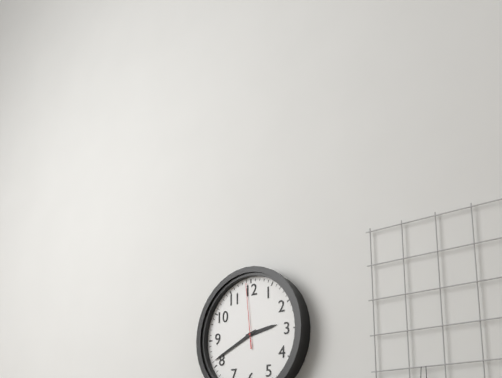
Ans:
h=2 m=41 s=59
